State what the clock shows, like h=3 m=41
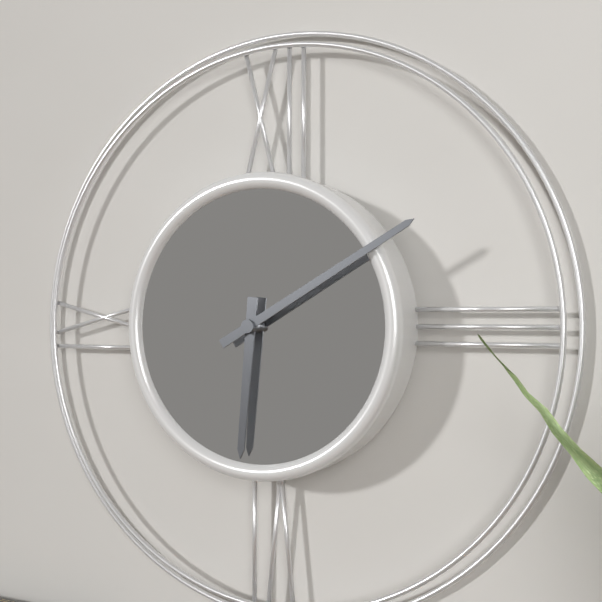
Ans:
h=6 m=10
